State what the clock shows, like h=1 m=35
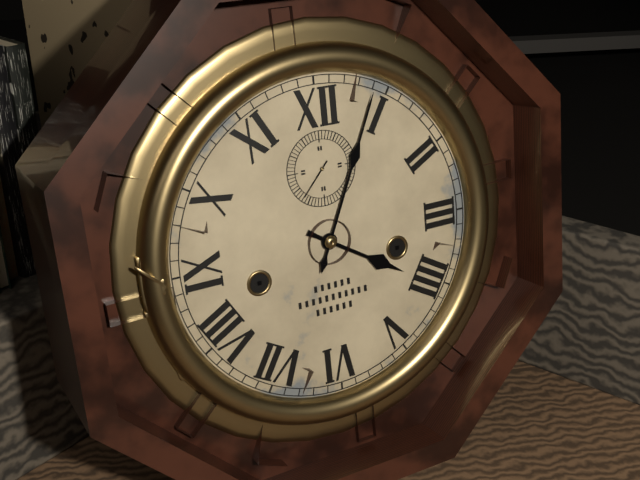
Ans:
h=4 m=4
